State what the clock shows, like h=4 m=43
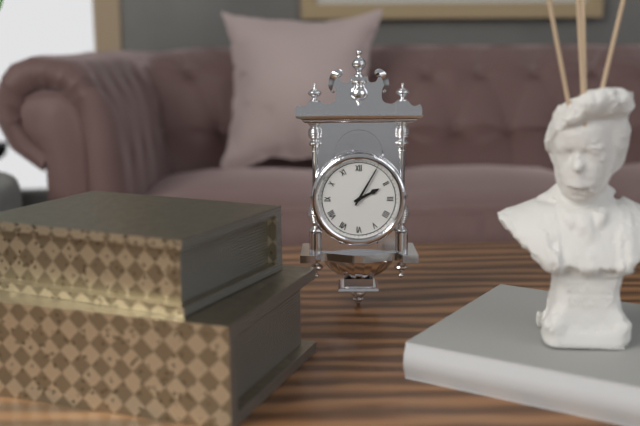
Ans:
h=2 m=5
